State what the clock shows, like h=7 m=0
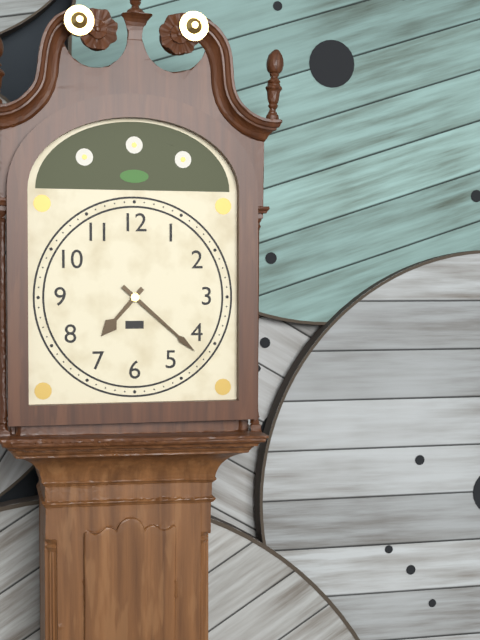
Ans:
h=7 m=22
